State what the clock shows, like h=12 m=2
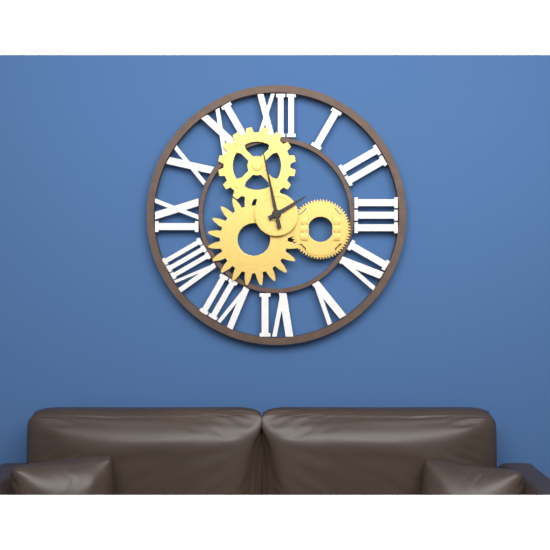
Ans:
h=1 m=58
